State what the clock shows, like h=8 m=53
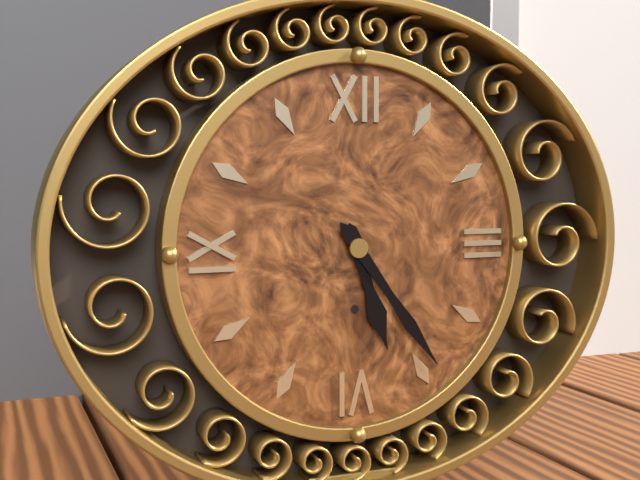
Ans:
h=5 m=24
